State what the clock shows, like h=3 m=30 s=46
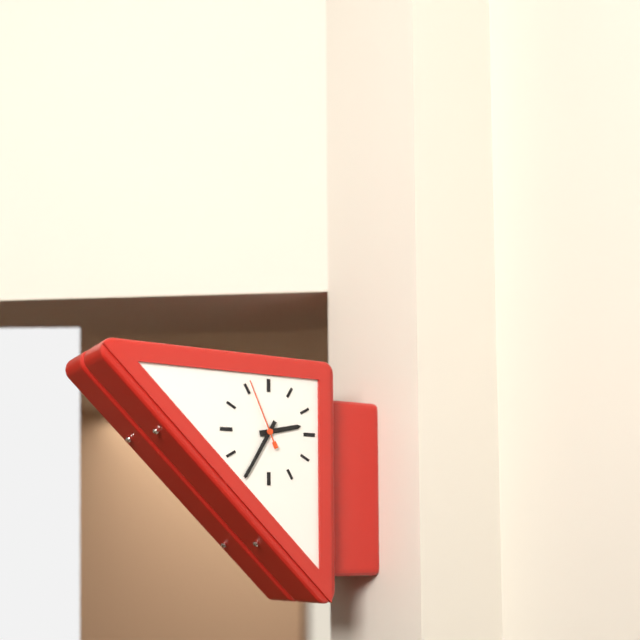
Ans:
h=2 m=35 s=56
